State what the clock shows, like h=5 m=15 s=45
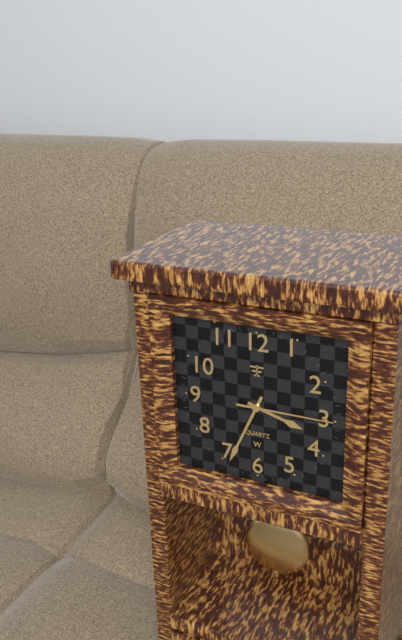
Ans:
h=3 m=34 s=15
